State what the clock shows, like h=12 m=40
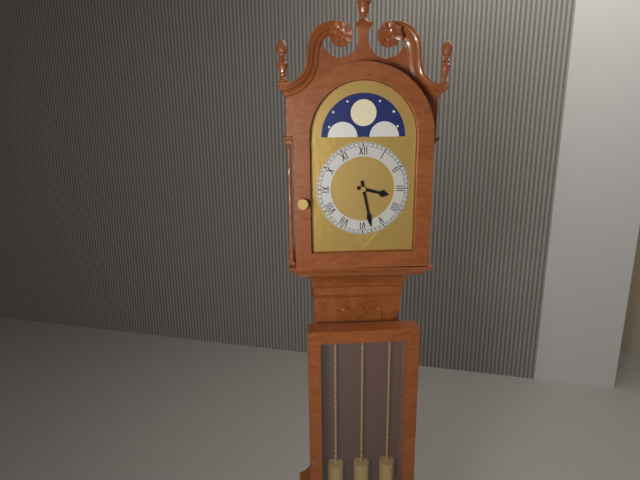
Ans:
h=3 m=28
